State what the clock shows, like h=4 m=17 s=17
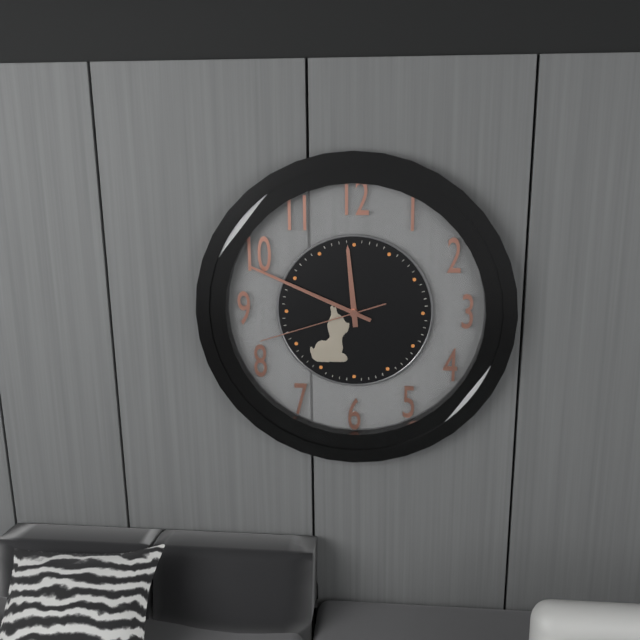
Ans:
h=11 m=49 s=42
